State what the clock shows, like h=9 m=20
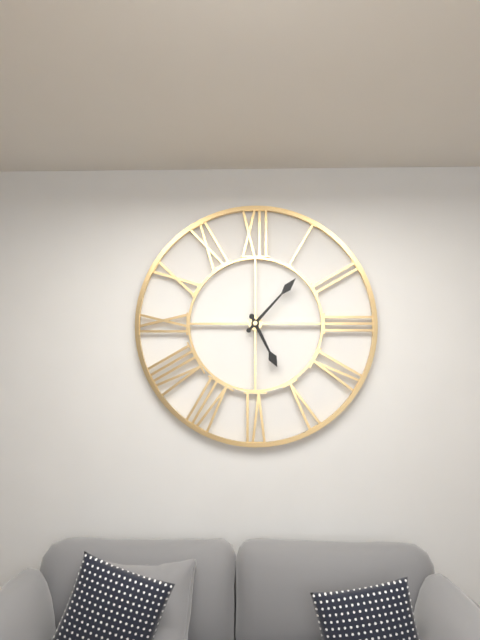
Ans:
h=5 m=7
